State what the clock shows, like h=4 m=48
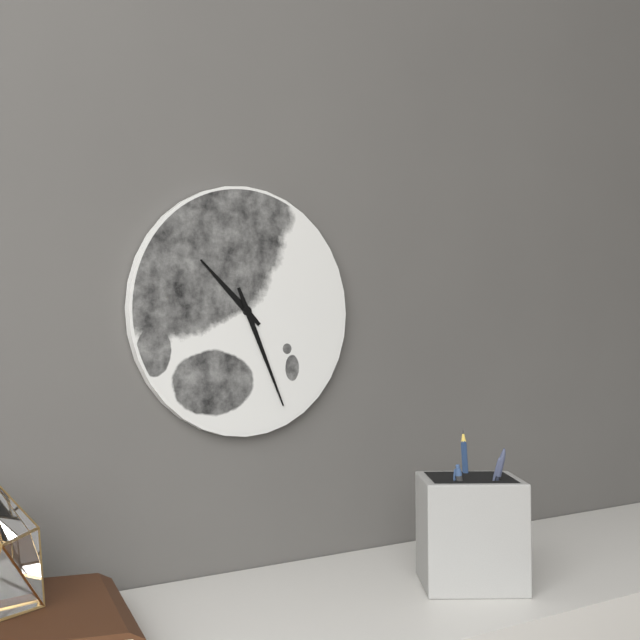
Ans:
h=10 m=26
